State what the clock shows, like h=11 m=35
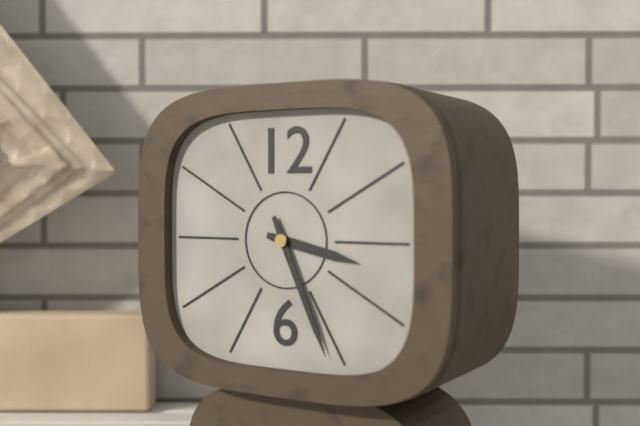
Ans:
h=3 m=26
